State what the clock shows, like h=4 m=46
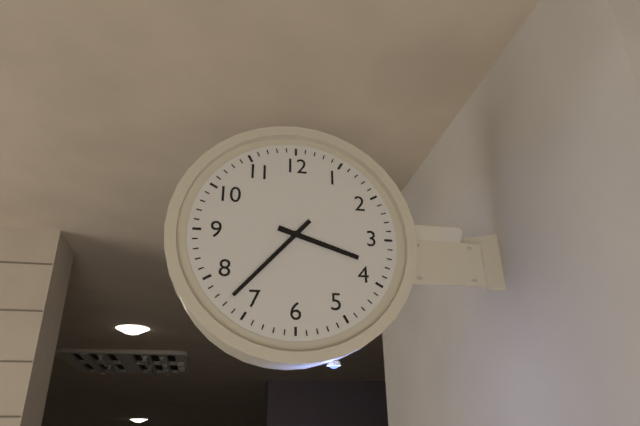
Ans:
h=3 m=37
